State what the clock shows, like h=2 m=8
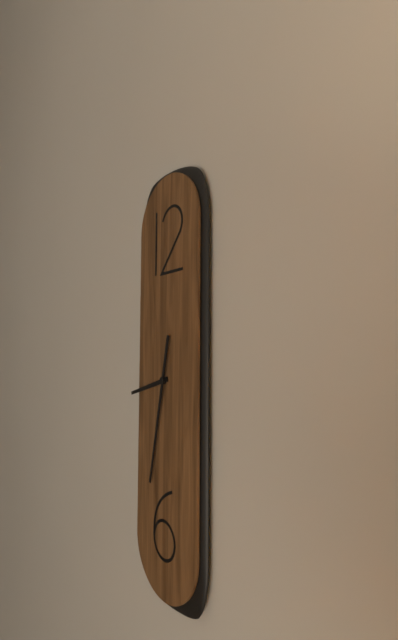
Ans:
h=8 m=32
